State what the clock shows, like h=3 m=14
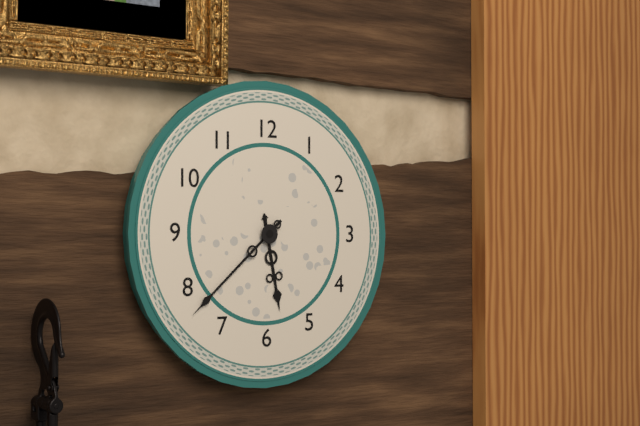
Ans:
h=5 m=38
